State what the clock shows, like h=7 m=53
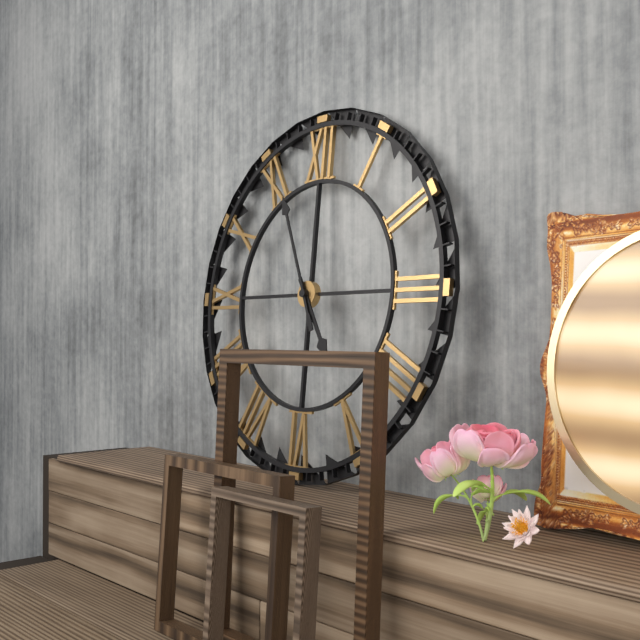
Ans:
h=4 m=56
